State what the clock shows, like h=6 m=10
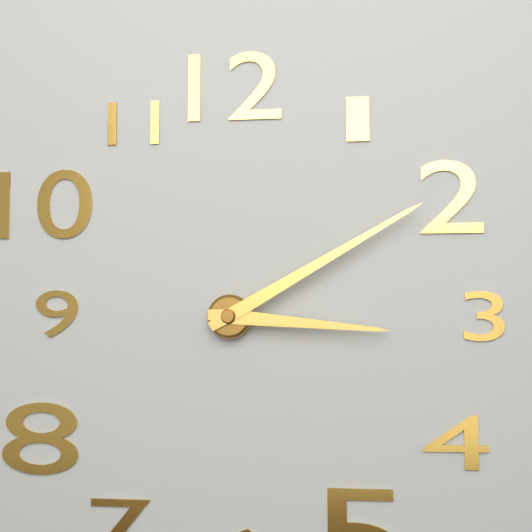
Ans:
h=3 m=10
